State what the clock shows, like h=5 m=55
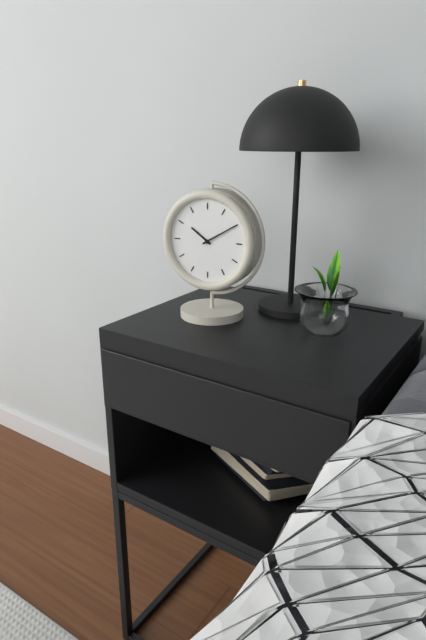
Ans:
h=10 m=10
